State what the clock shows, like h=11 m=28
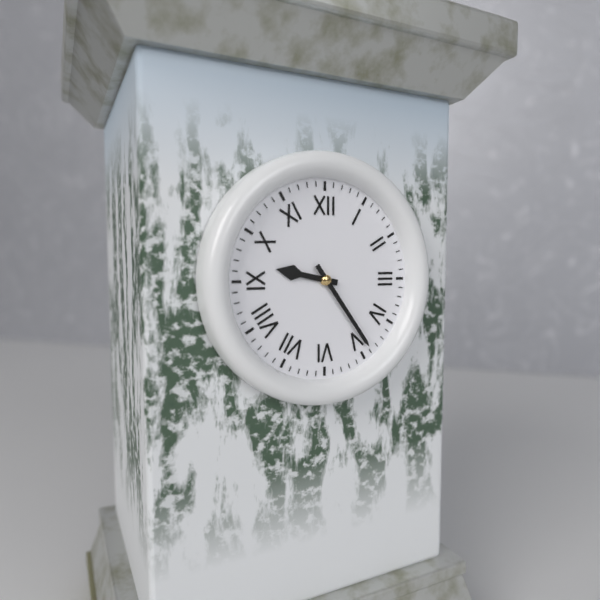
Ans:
h=9 m=24
